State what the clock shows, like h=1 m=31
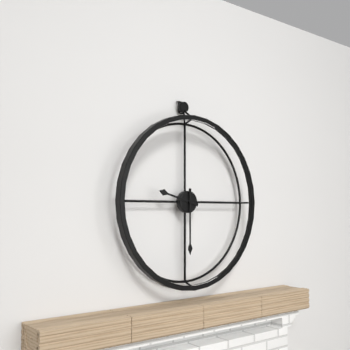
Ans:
h=9 m=30
